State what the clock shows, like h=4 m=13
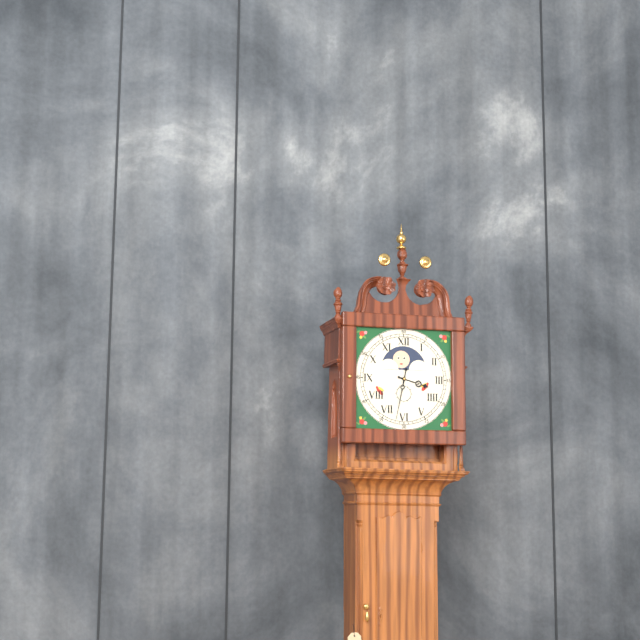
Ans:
h=3 m=32
